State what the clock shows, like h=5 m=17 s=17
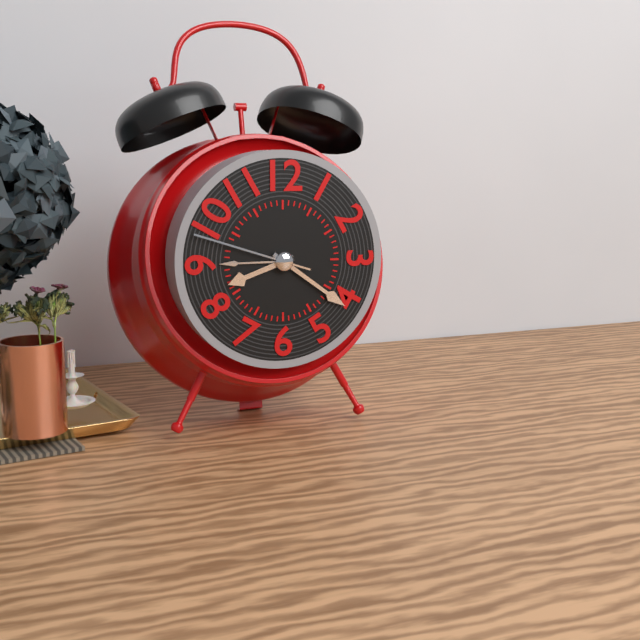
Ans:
h=8 m=21 s=48
